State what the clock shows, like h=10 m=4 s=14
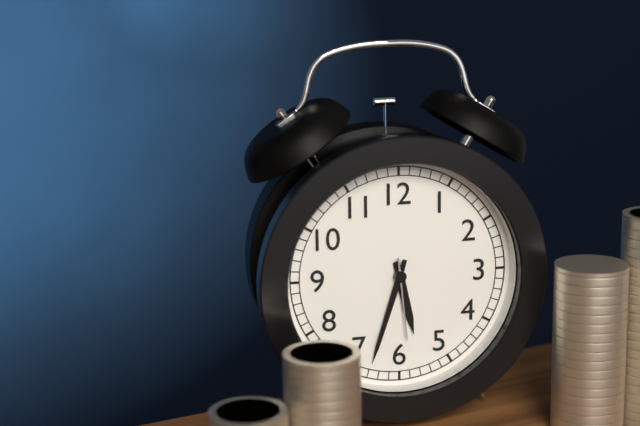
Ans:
h=5 m=33 s=29
